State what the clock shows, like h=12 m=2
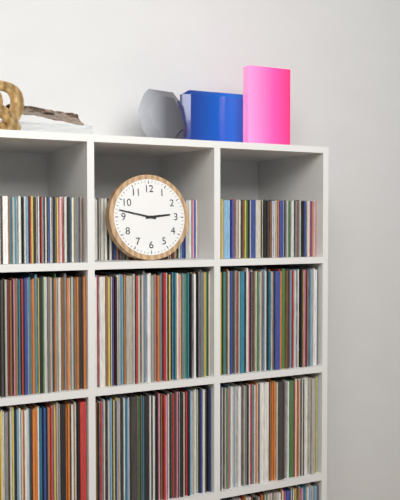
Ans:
h=2 m=47
